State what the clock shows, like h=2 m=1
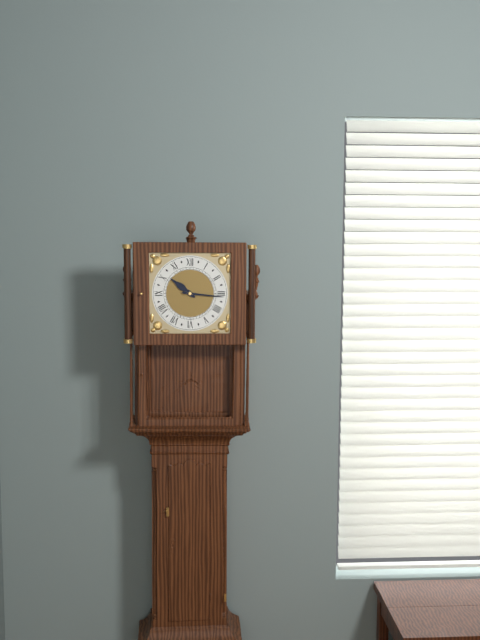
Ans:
h=10 m=16
